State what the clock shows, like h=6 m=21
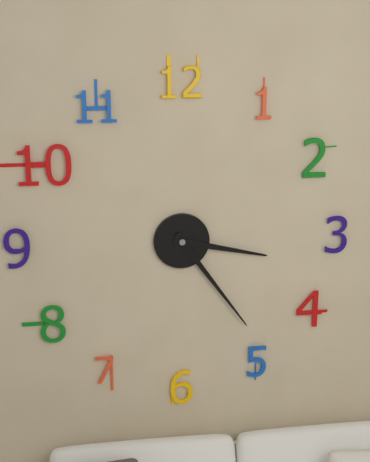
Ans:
h=3 m=24
